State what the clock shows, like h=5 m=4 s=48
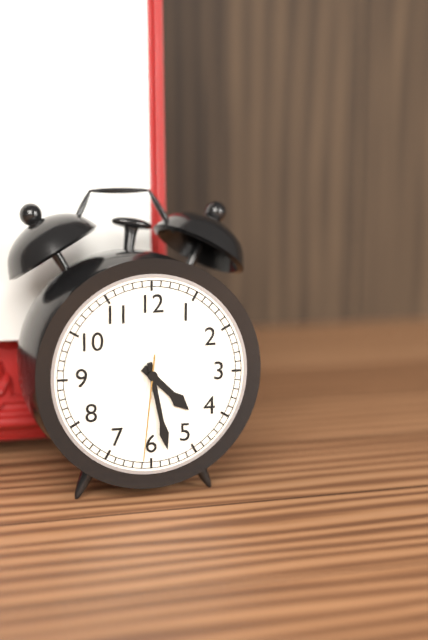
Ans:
h=4 m=28 s=31
